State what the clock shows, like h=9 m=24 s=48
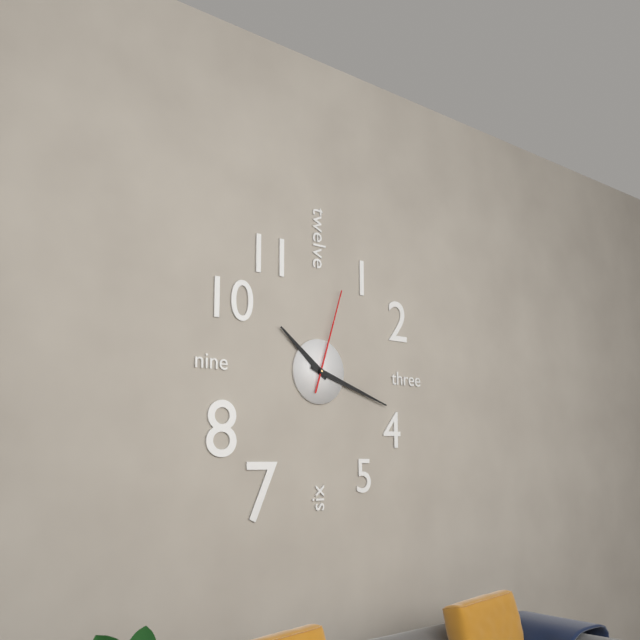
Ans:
h=10 m=18 s=3
